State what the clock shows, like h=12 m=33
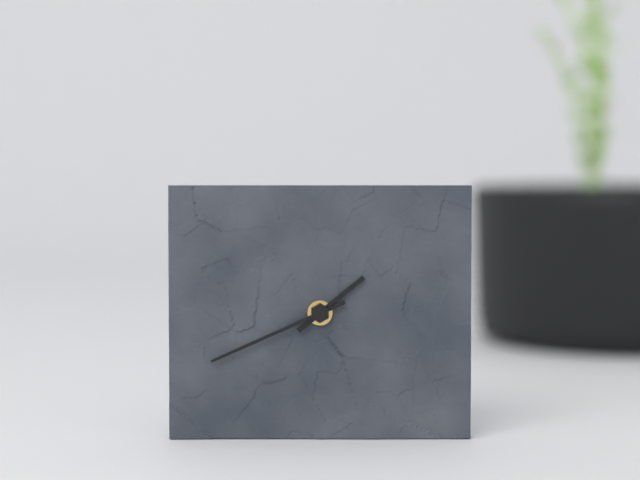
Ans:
h=1 m=41
